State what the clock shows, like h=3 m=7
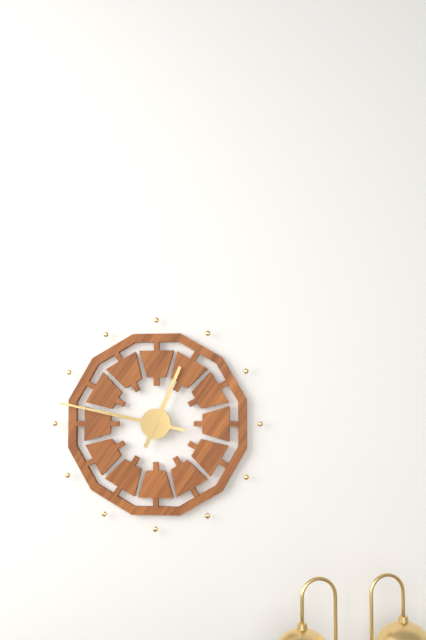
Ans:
h=12 m=47
